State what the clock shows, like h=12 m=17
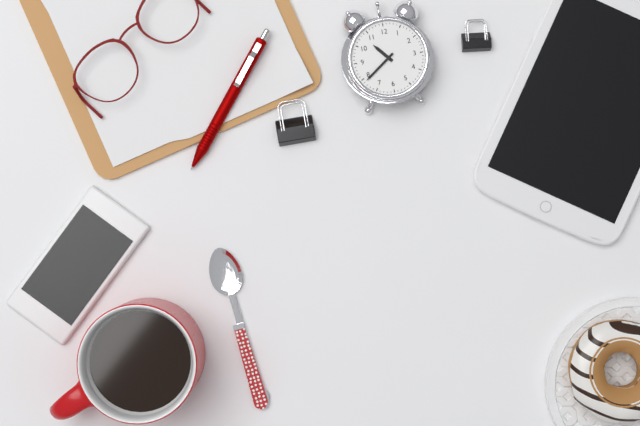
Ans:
h=10 m=39
